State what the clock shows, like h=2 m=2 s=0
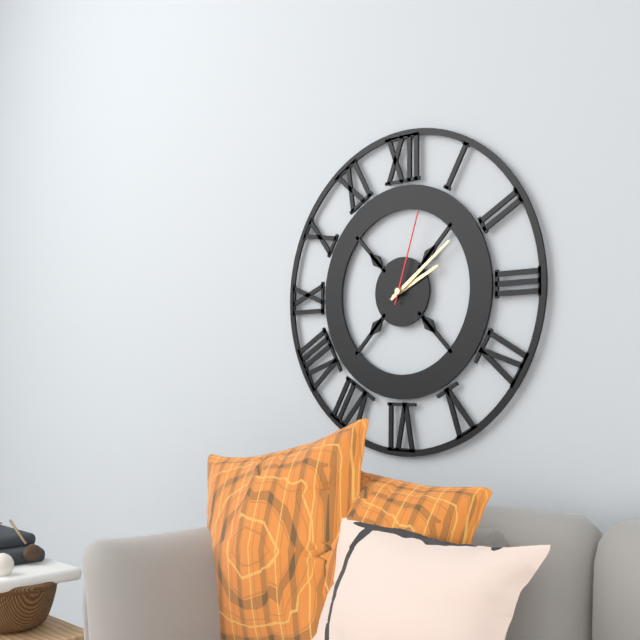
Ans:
h=2 m=9 s=3
